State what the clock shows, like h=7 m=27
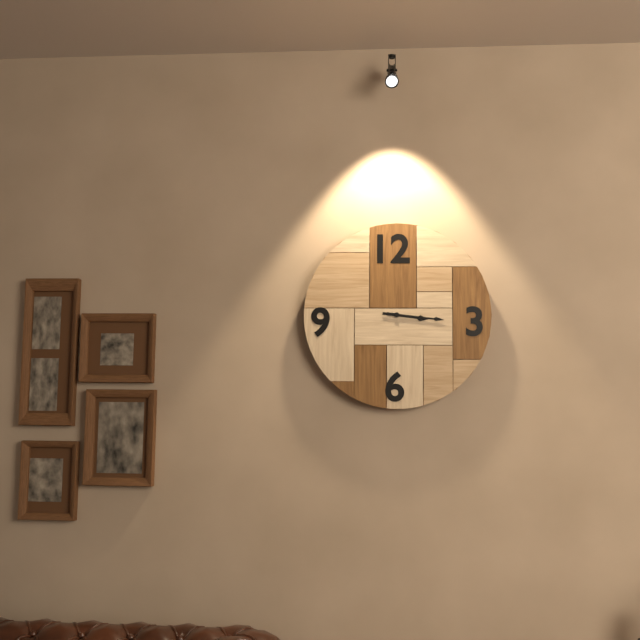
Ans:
h=3 m=16
